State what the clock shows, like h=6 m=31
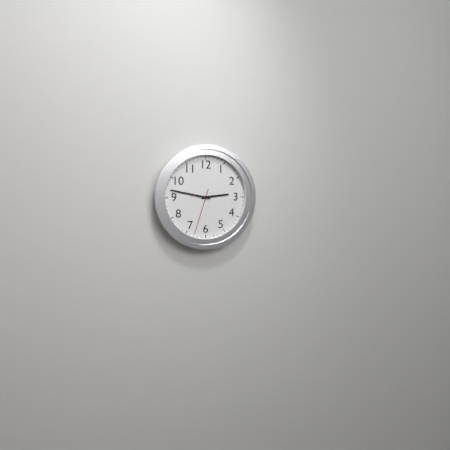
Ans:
h=2 m=47
